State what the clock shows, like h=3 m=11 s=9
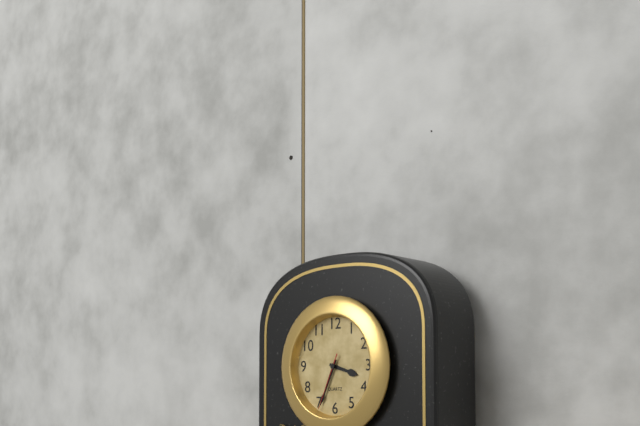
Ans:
h=3 m=34 s=34
